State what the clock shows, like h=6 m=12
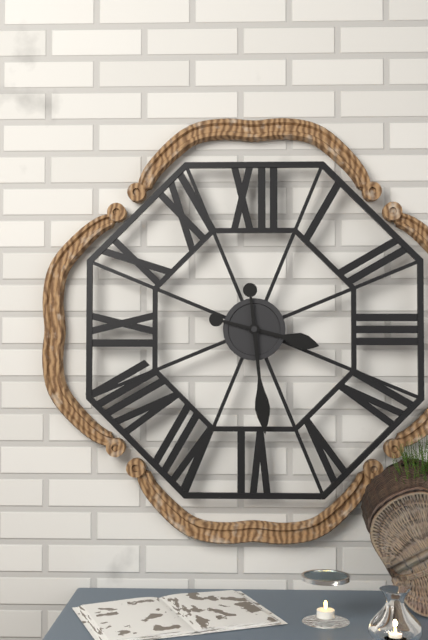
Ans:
h=3 m=29
